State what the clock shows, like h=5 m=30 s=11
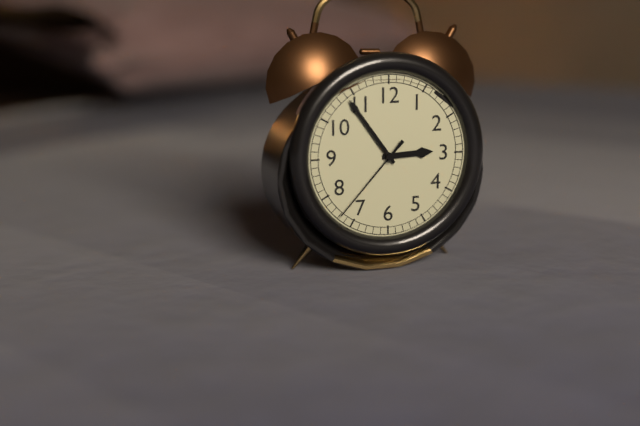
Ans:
h=2 m=54 s=37
